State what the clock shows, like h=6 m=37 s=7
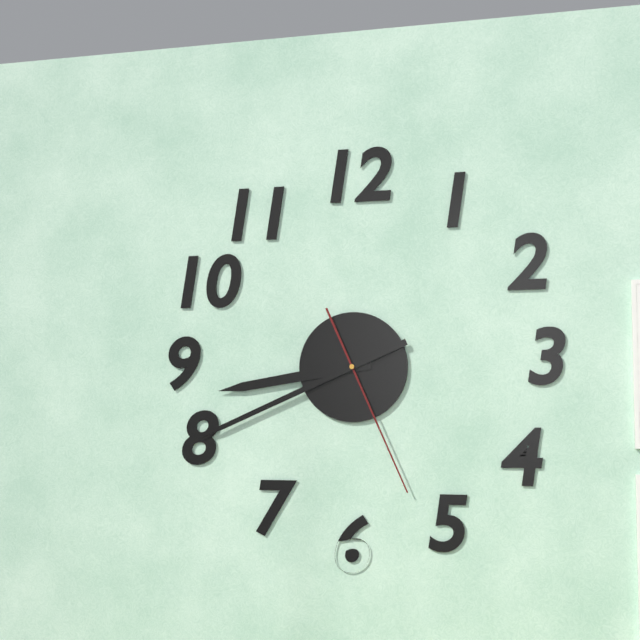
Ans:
h=8 m=41 s=26
